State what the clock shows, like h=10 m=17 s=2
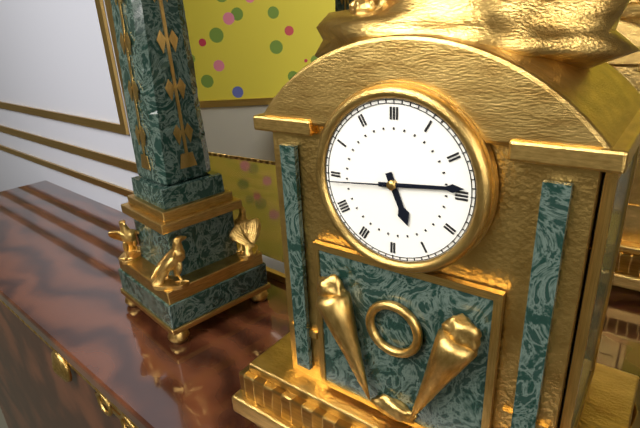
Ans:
h=5 m=14 s=44
